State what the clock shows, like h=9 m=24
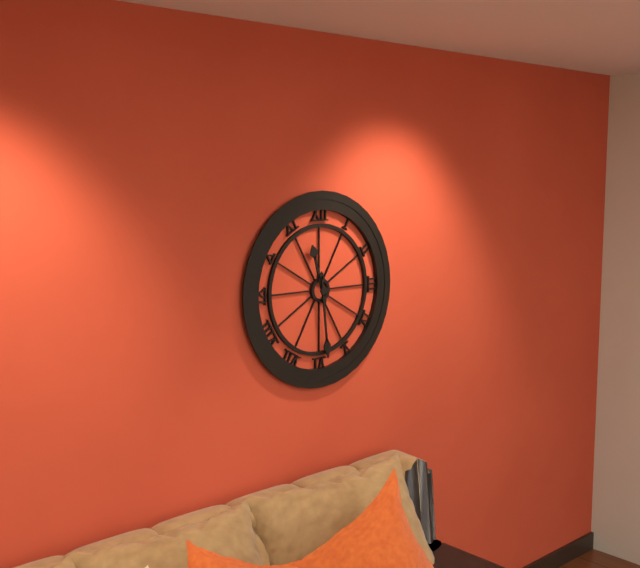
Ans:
h=11 m=29
